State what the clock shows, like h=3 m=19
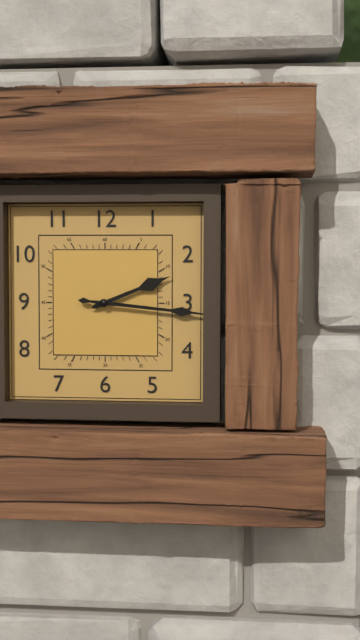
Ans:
h=2 m=16
